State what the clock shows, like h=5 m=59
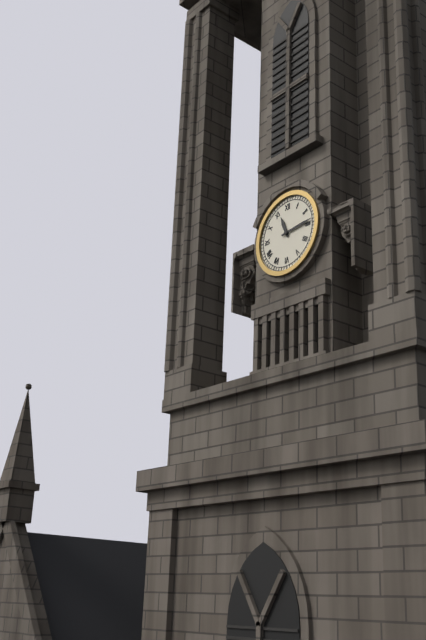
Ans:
h=11 m=14
